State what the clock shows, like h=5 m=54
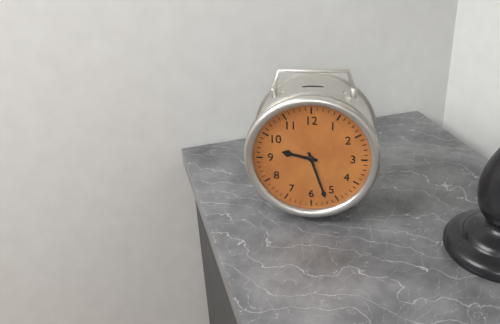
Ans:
h=9 m=27
